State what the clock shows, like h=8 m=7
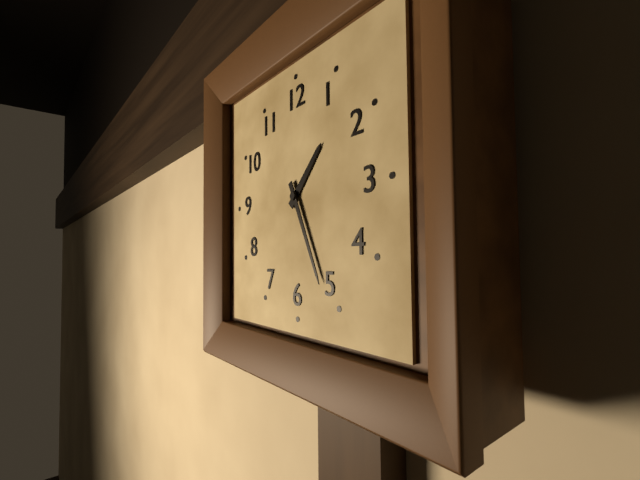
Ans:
h=1 m=26
